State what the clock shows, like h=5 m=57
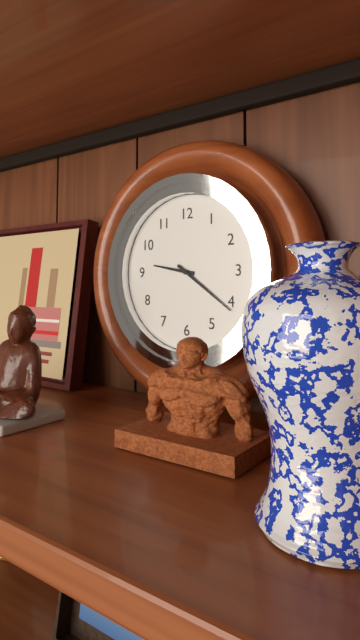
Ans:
h=9 m=21
